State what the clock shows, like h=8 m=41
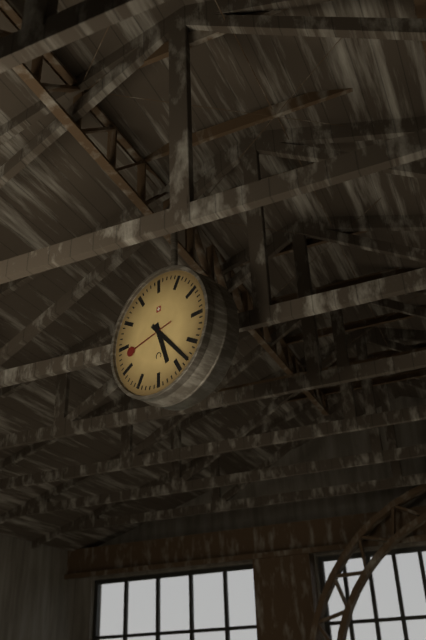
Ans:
h=5 m=23
